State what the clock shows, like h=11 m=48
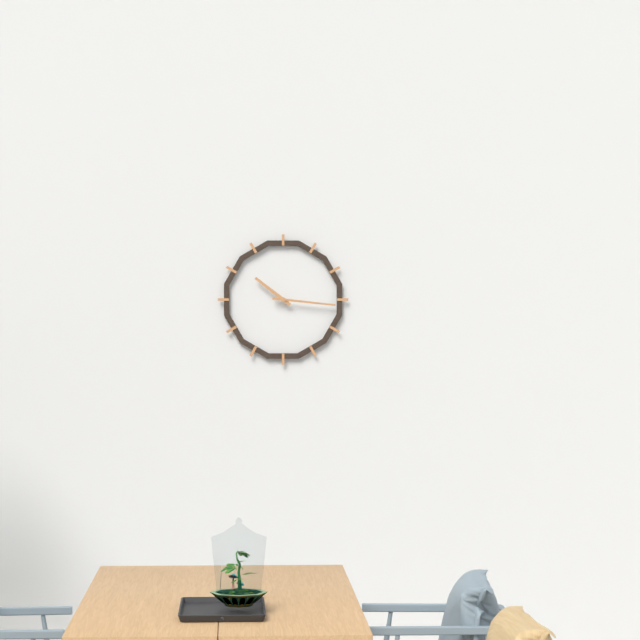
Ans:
h=10 m=16
